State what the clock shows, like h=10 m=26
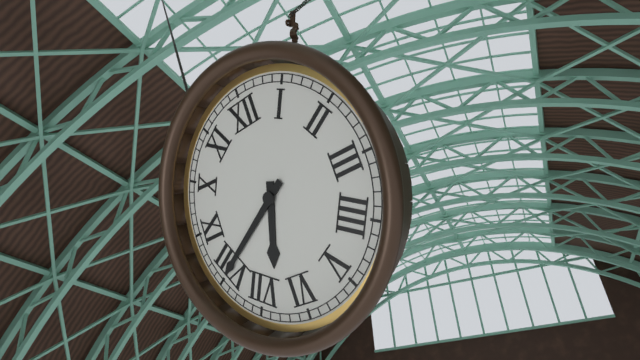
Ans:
h=6 m=40
